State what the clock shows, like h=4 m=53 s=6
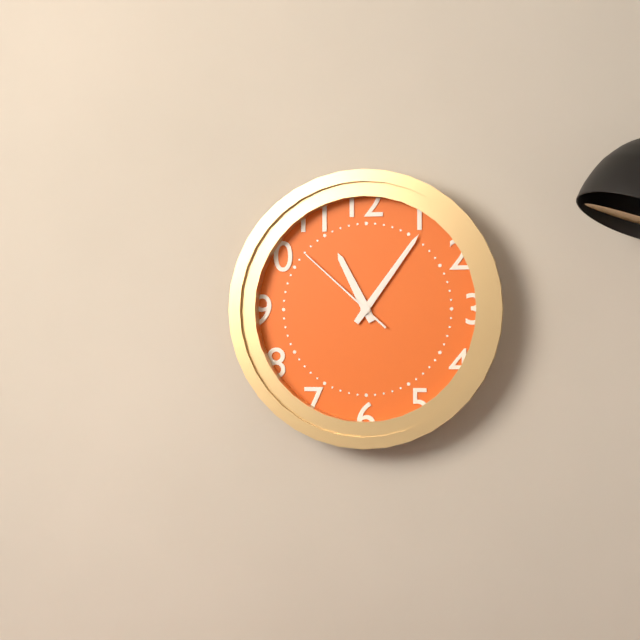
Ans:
h=11 m=6 s=52
